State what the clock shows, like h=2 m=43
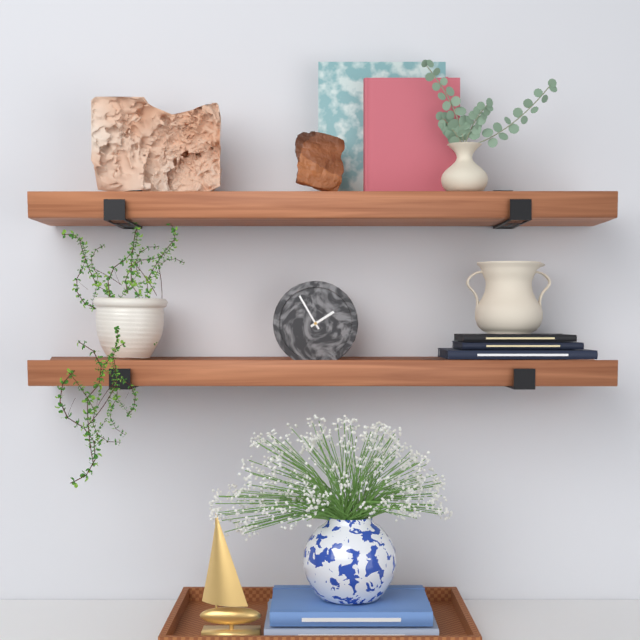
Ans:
h=1 m=55
